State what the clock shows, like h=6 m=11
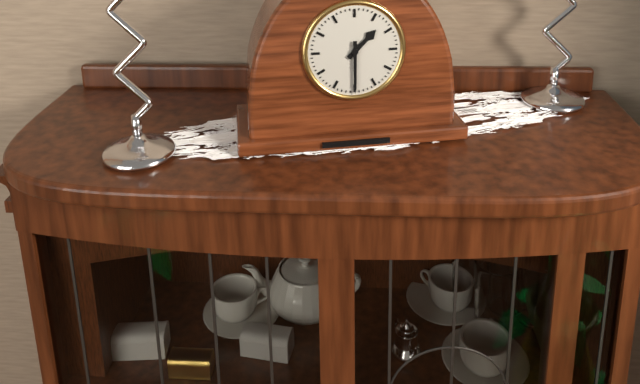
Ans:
h=1 m=30
